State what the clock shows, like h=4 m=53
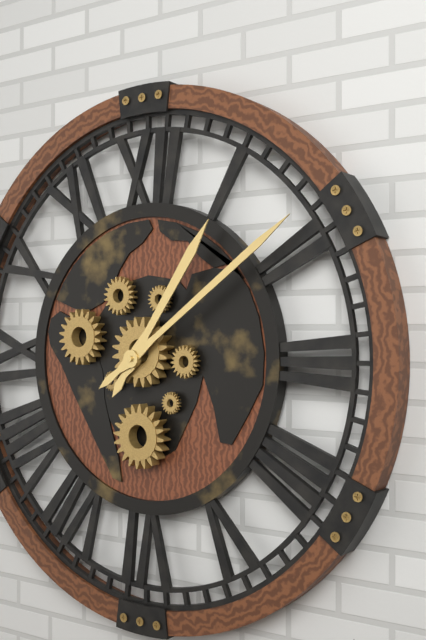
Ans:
h=1 m=9
